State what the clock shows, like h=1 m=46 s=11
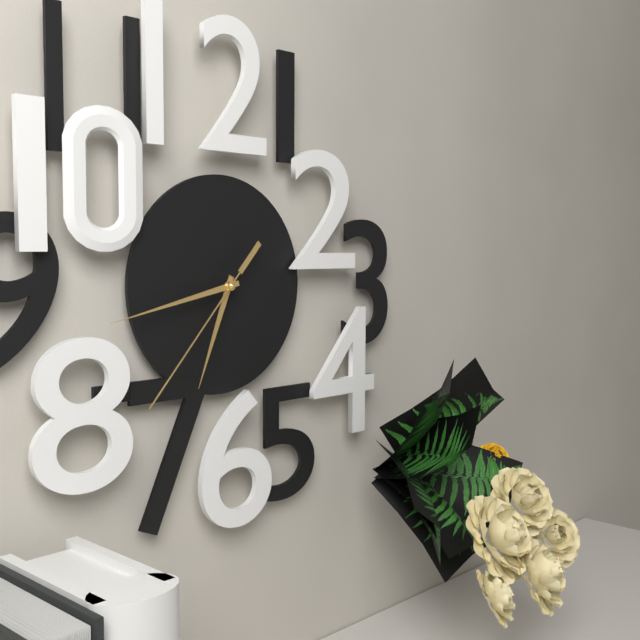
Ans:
h=6 m=43 s=37
